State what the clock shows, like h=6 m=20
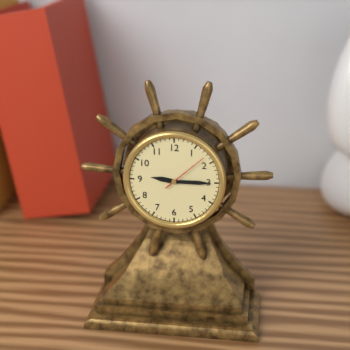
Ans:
h=9 m=15
